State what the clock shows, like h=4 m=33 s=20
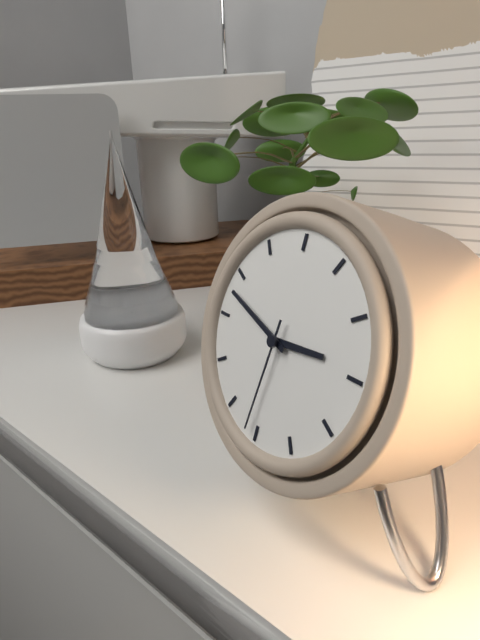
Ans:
h=2 m=48 s=31
